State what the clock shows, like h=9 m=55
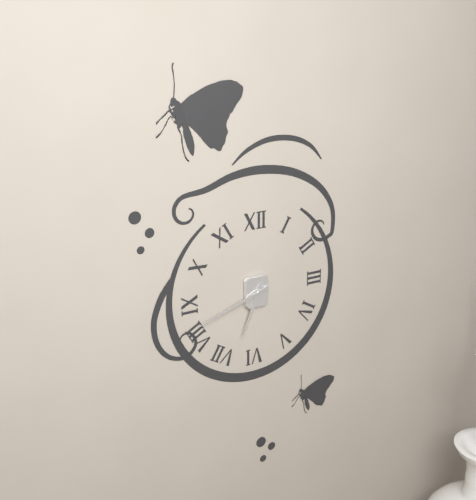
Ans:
h=6 m=42
